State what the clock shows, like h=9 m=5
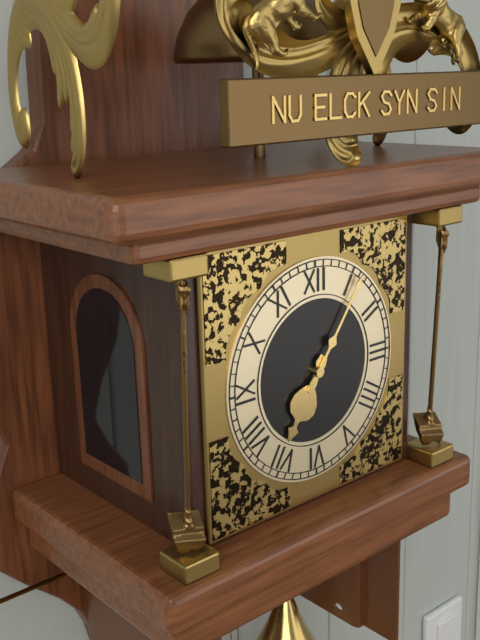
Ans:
h=7 m=6
